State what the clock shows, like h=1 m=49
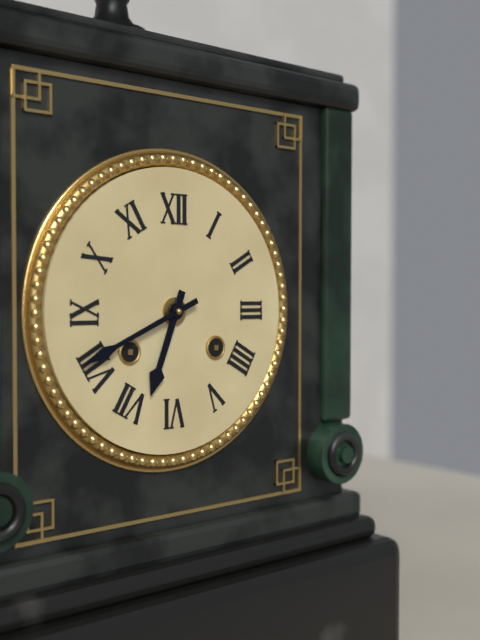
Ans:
h=6 m=41
